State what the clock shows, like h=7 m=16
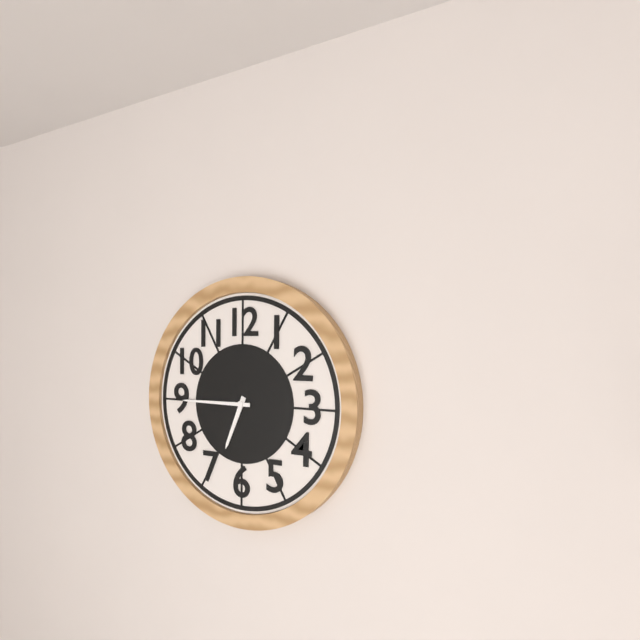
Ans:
h=6 m=45
